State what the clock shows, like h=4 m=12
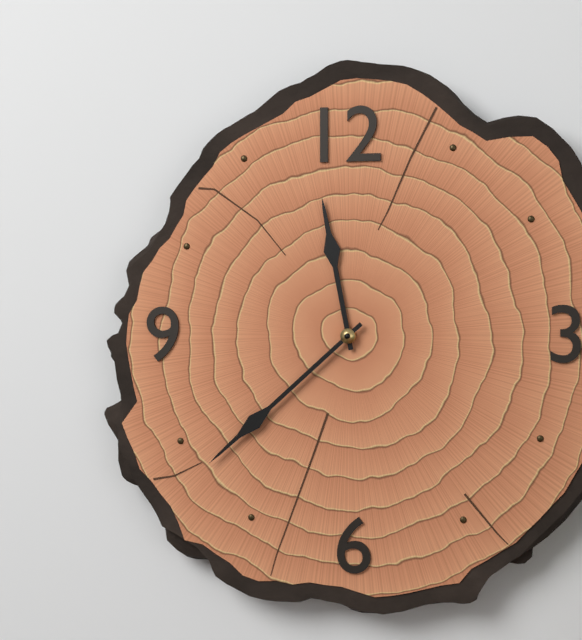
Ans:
h=11 m=38
